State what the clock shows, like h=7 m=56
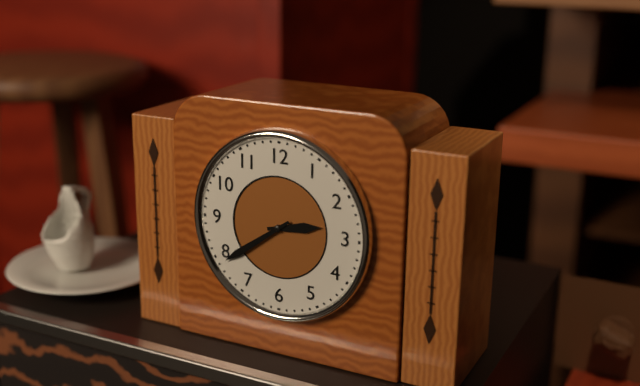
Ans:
h=2 m=39
